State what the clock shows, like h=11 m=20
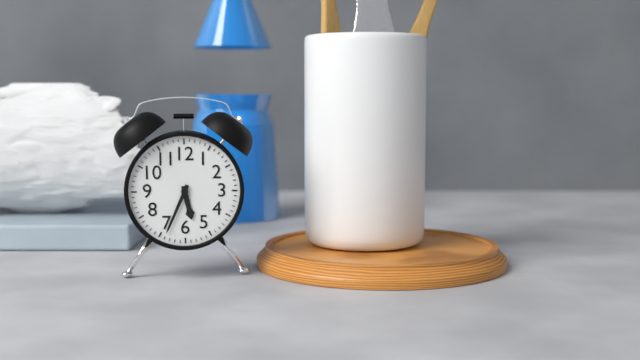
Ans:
h=5 m=34
